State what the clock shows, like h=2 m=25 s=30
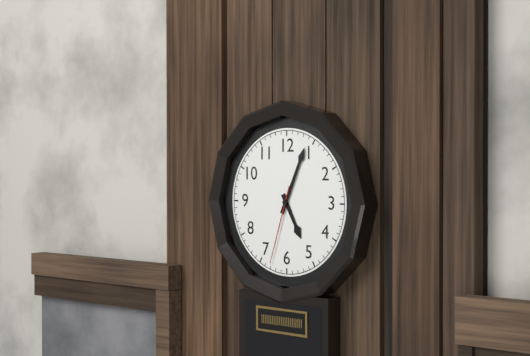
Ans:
h=5 m=4 s=33
